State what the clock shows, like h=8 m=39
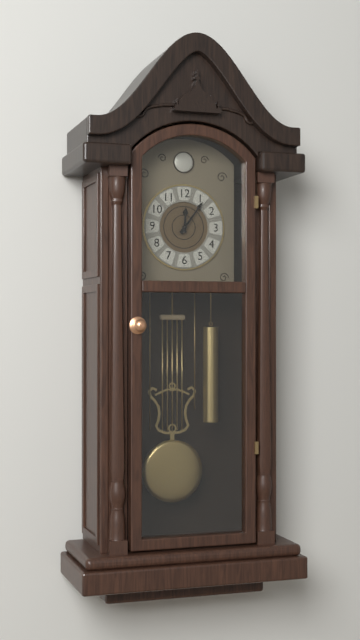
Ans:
h=12 m=6
